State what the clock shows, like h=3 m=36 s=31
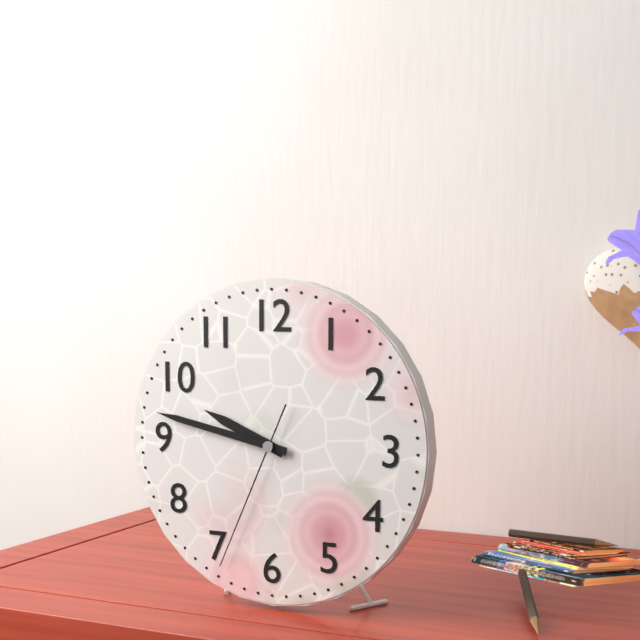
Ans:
h=9 m=47 s=34
